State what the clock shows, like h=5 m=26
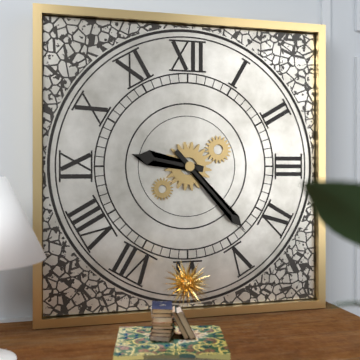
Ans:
h=9 m=23
